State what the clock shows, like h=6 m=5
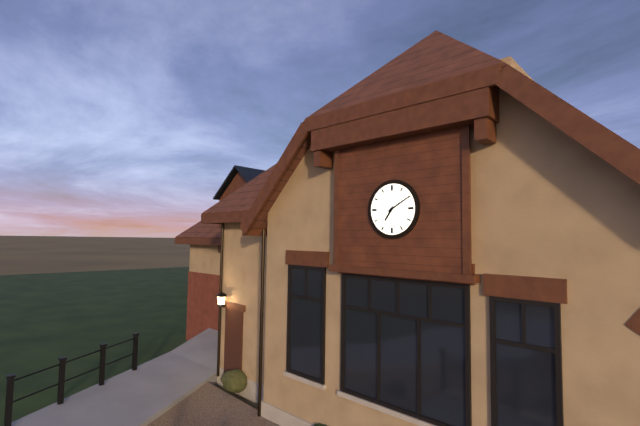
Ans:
h=7 m=10
